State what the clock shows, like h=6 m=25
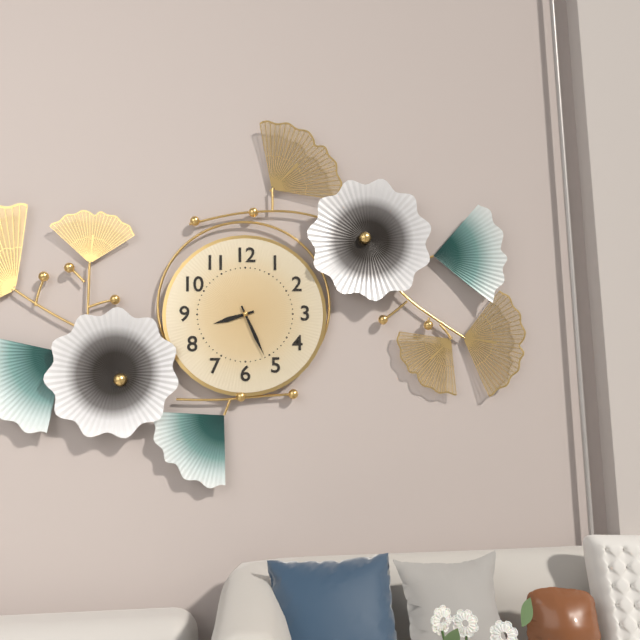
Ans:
h=8 m=26
